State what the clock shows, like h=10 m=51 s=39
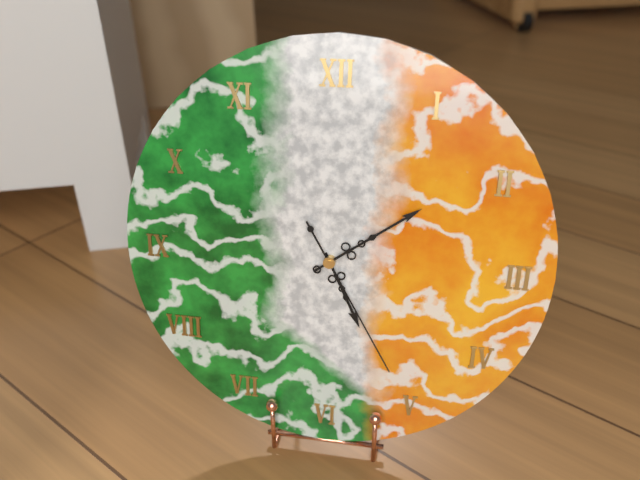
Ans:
h=5 m=9 s=25
